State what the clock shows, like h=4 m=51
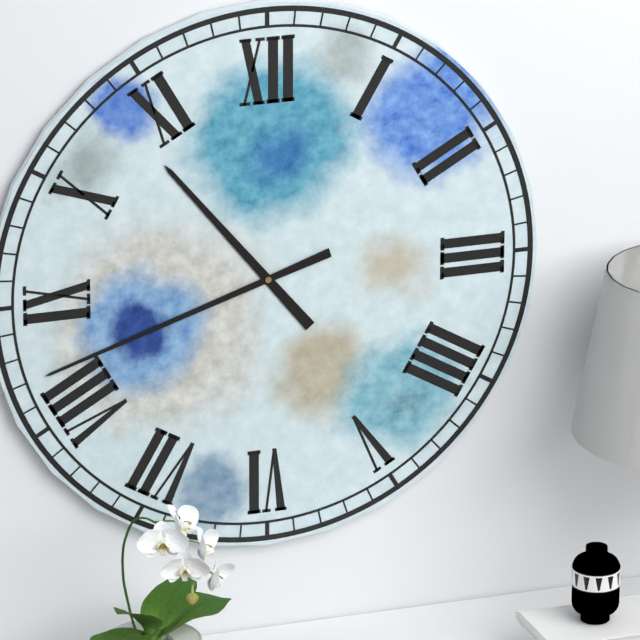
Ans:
h=10 m=42
